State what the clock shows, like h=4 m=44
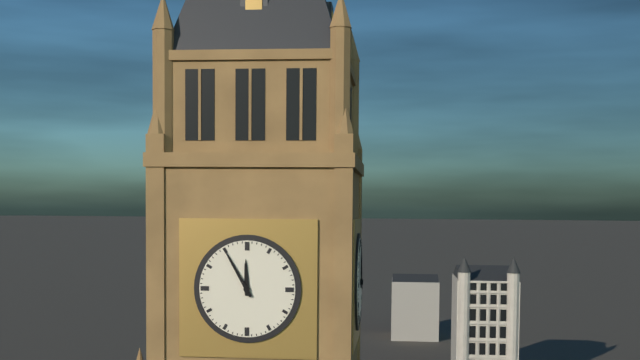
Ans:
h=11 m=55
